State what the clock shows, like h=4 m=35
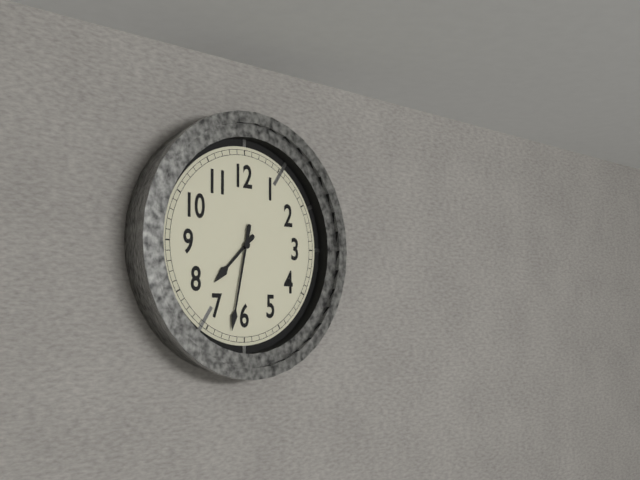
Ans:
h=7 m=32
